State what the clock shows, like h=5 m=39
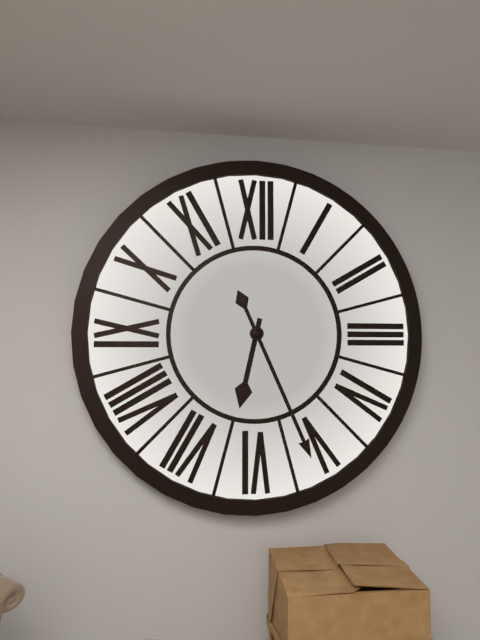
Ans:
h=6 m=26
